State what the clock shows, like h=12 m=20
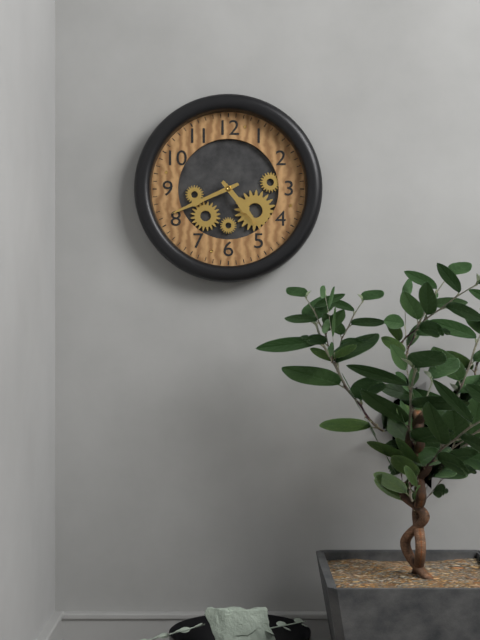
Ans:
h=4 m=41
